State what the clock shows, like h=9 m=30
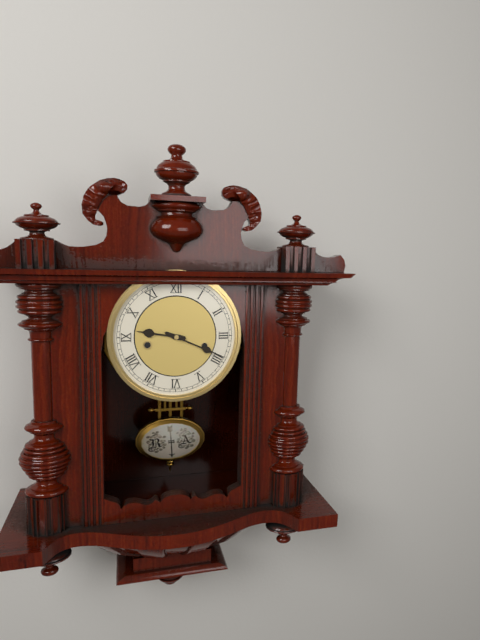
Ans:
h=9 m=19
